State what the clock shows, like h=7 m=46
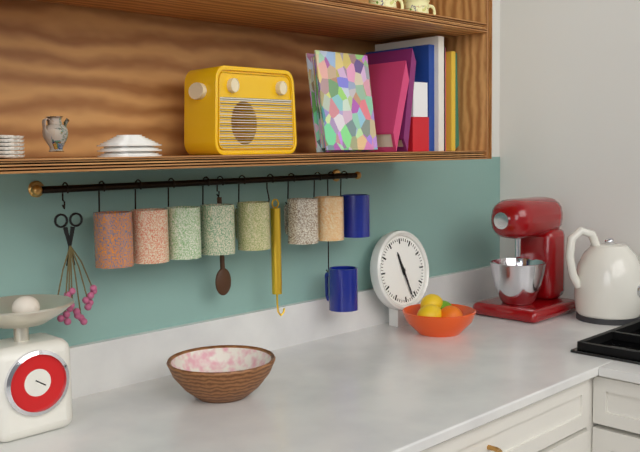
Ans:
h=11 m=27
